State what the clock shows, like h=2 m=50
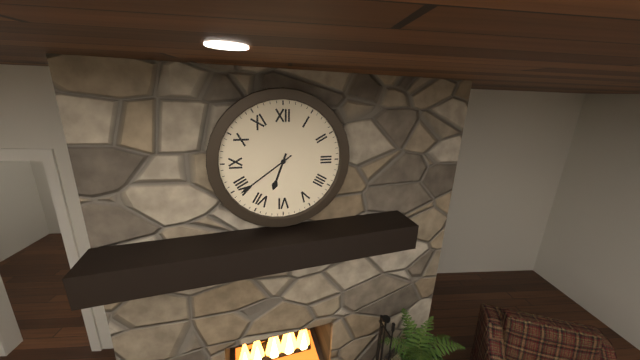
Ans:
h=6 m=39
